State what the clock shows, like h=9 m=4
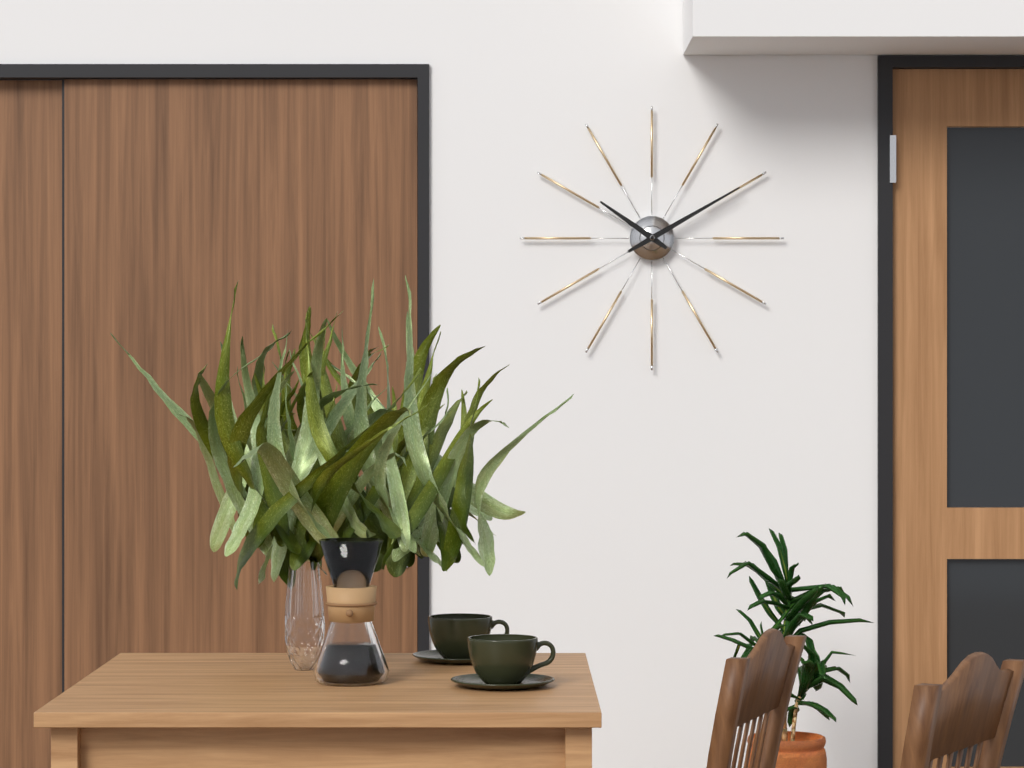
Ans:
h=10 m=10
